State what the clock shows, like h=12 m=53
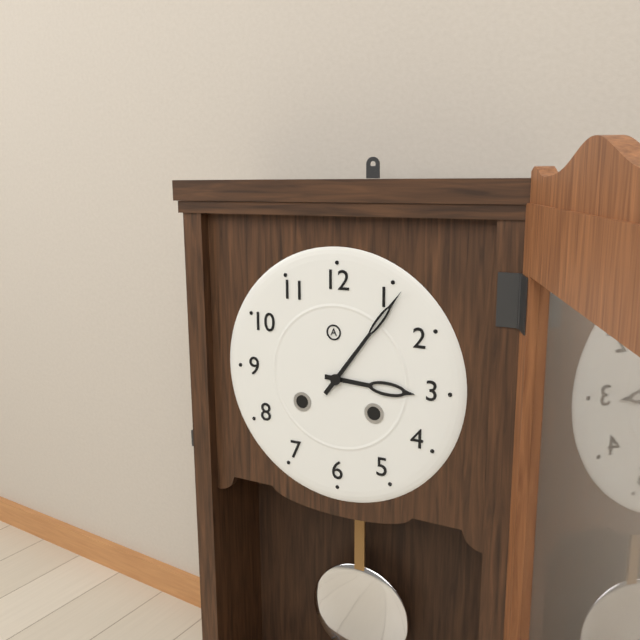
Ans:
h=3 m=6
